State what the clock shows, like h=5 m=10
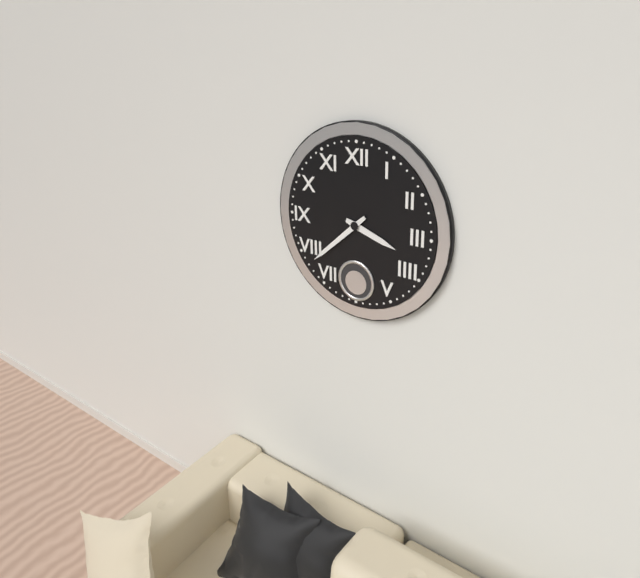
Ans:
h=3 m=38
